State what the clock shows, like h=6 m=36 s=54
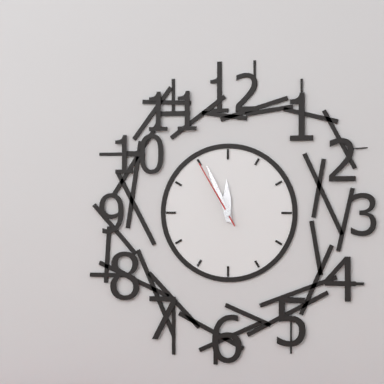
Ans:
h=11 m=56 s=55
